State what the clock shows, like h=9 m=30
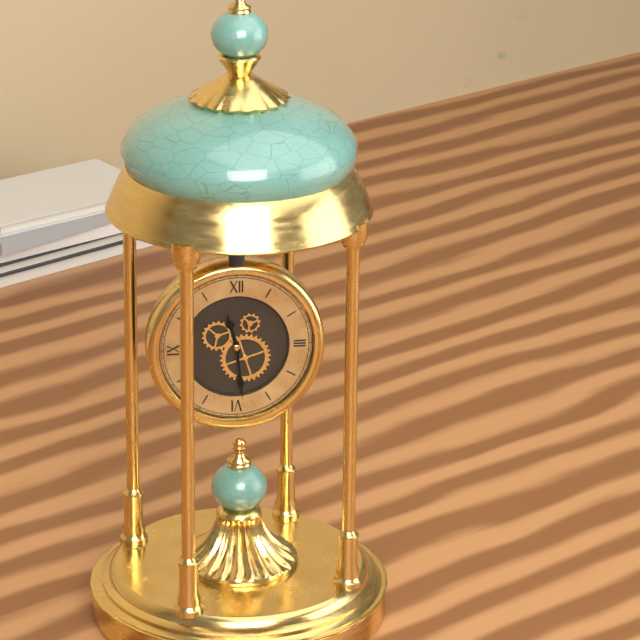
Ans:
h=11 m=29
